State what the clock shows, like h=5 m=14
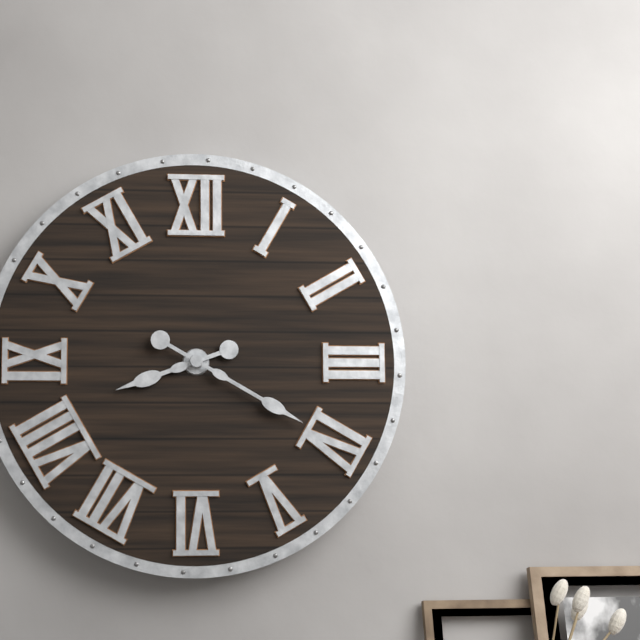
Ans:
h=8 m=20
